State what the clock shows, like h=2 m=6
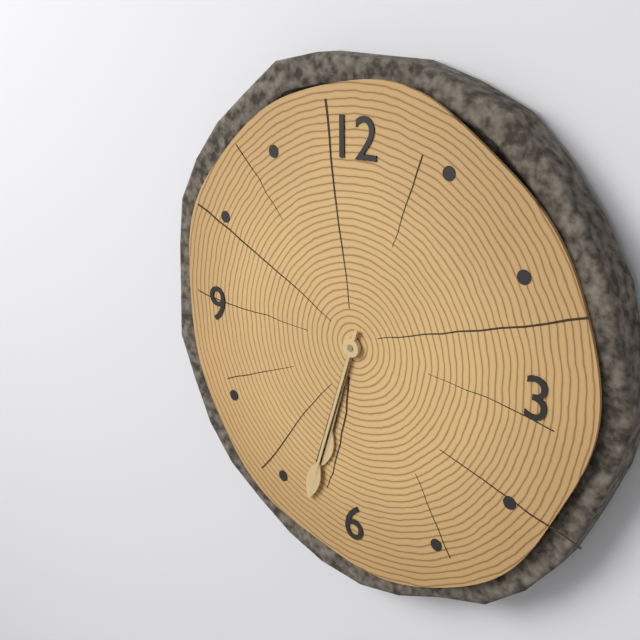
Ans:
h=6 m=33
